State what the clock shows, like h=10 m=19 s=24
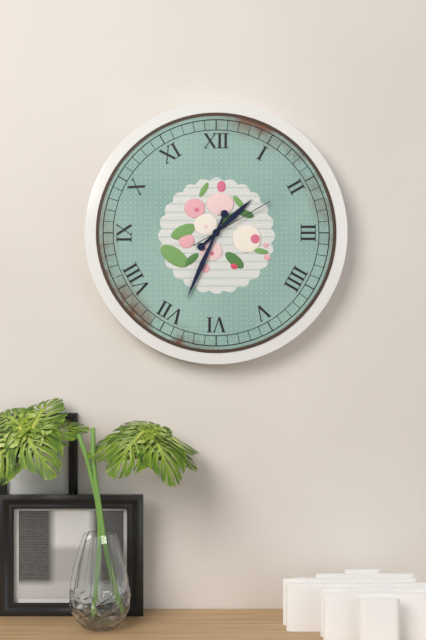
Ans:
h=1 m=34 s=10
